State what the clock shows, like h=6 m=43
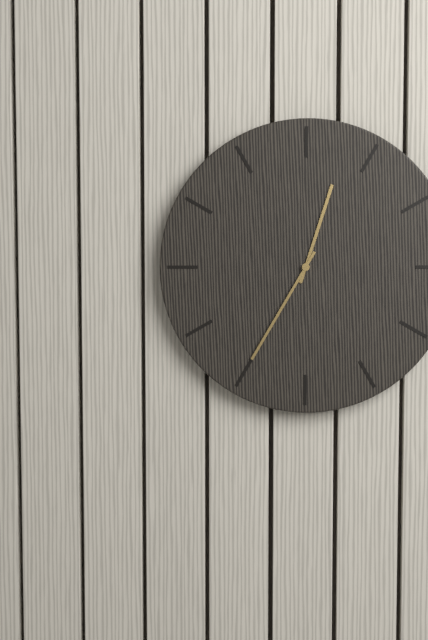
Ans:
h=12 m=35
